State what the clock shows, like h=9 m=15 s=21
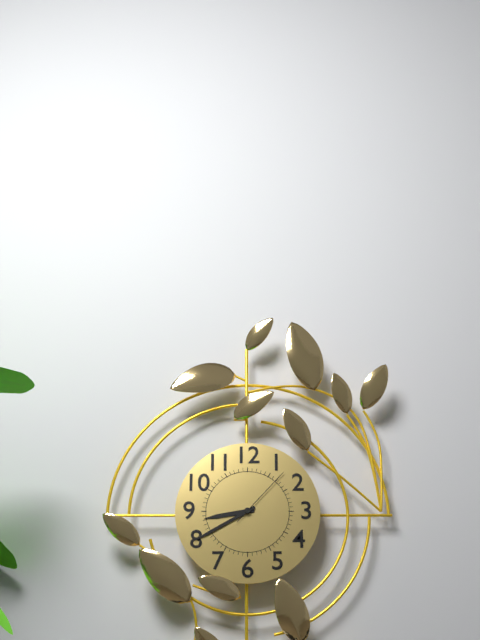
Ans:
h=8 m=40 s=7
